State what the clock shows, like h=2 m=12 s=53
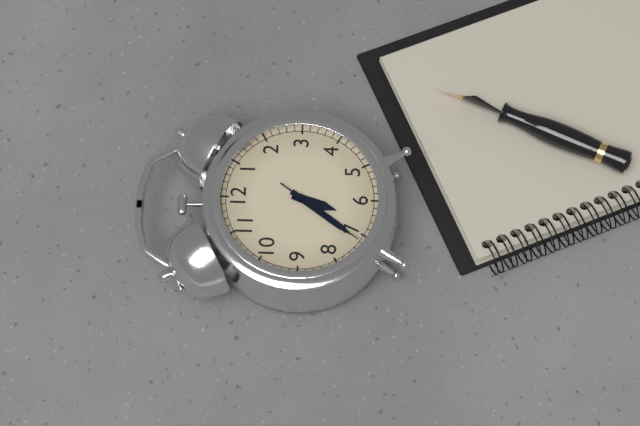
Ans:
h=6 m=36 s=36
